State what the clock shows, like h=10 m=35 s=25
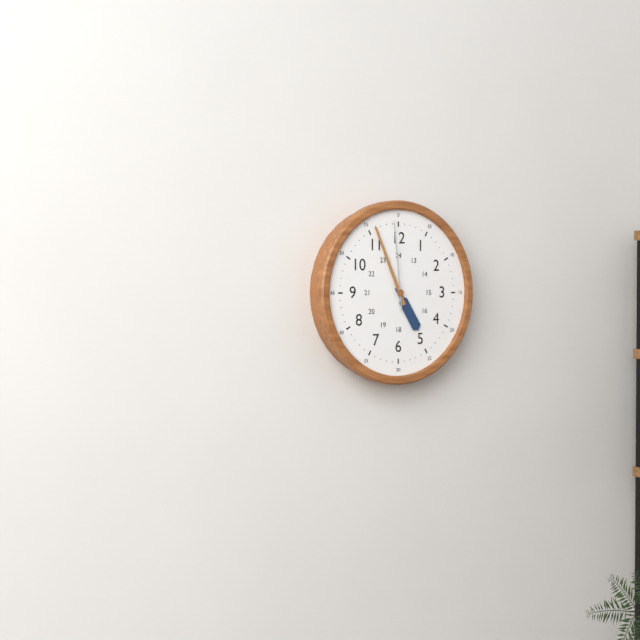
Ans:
h=4 m=56 s=59
